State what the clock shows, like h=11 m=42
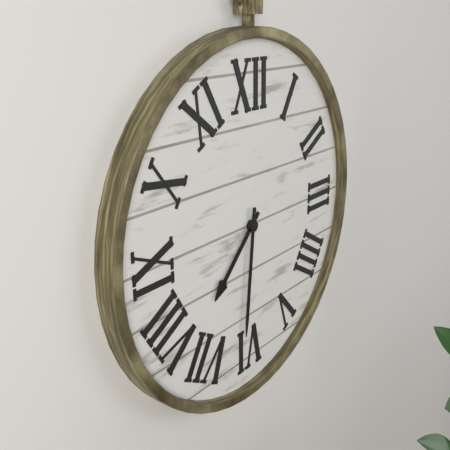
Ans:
h=7 m=31
